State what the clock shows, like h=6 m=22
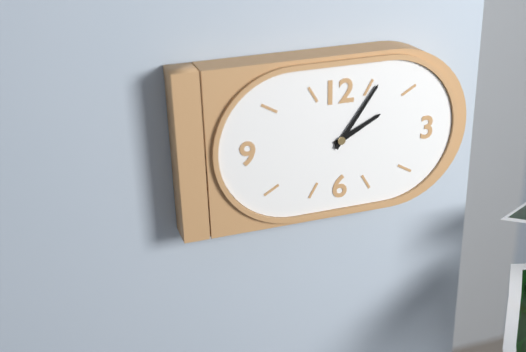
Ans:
h=2 m=6
